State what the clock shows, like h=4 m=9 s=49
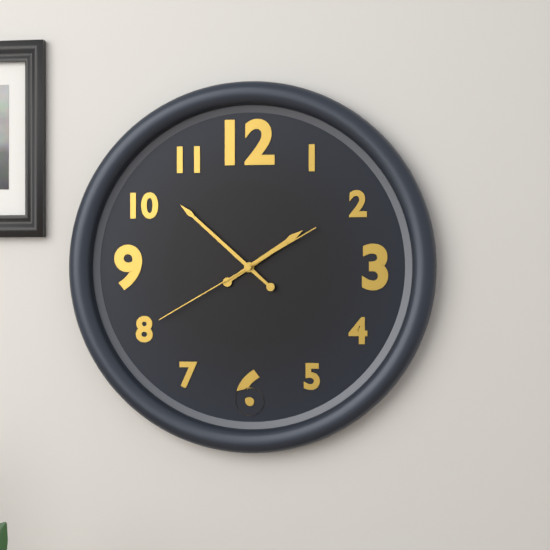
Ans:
h=1 m=52 s=40
